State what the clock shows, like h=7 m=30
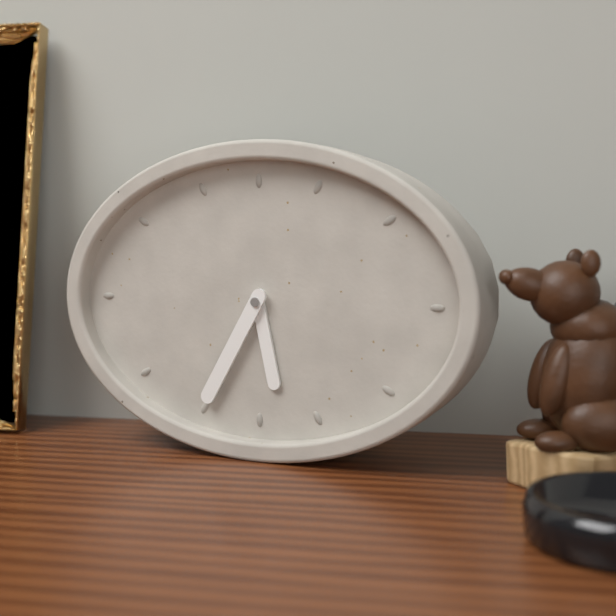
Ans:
h=5 m=35
